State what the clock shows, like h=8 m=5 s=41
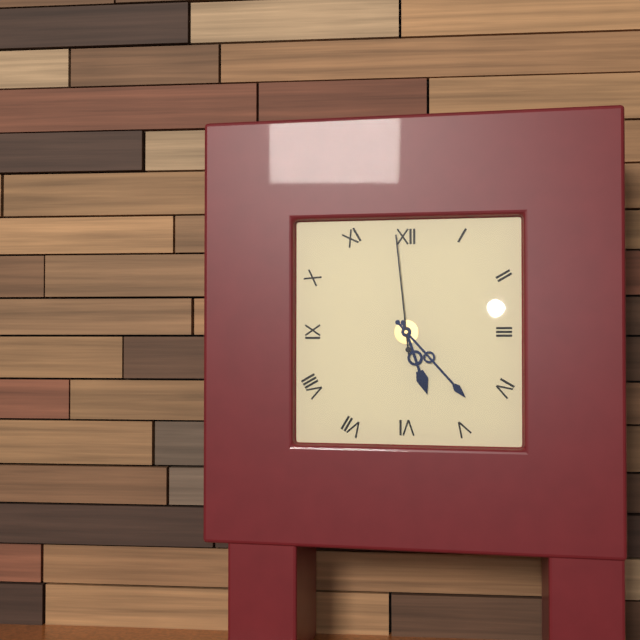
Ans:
h=5 m=23 s=59
